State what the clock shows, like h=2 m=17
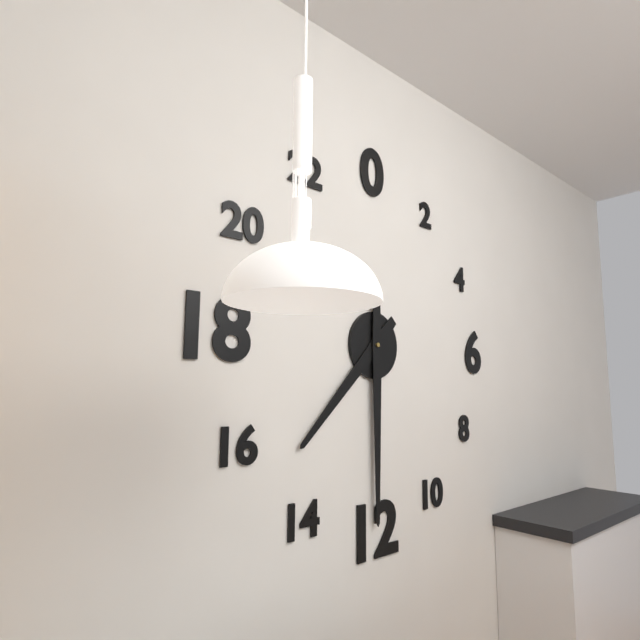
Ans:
h=7 m=30
